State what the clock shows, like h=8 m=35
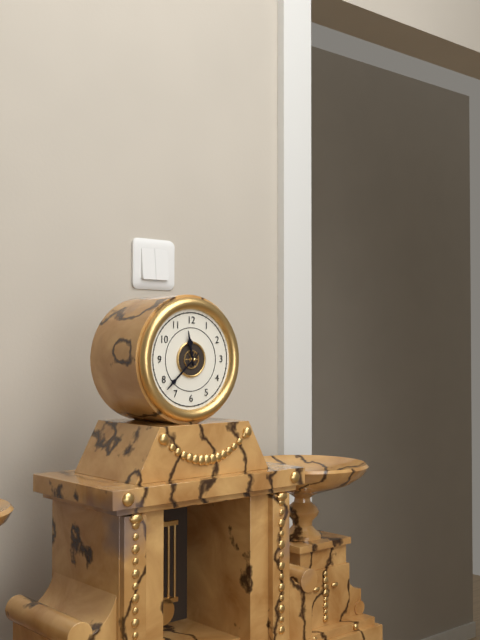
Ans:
h=11 m=38
